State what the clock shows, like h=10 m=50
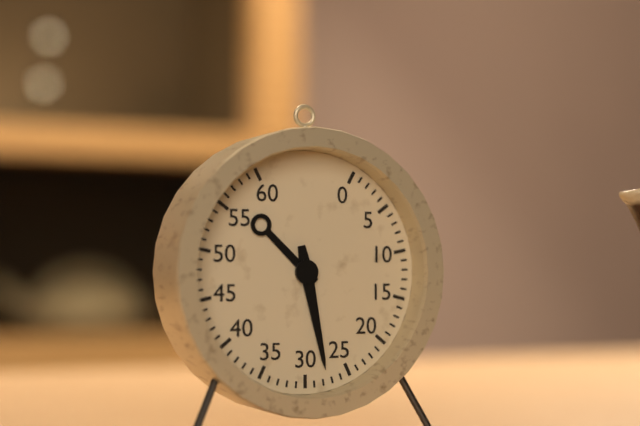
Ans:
h=10 m=28
